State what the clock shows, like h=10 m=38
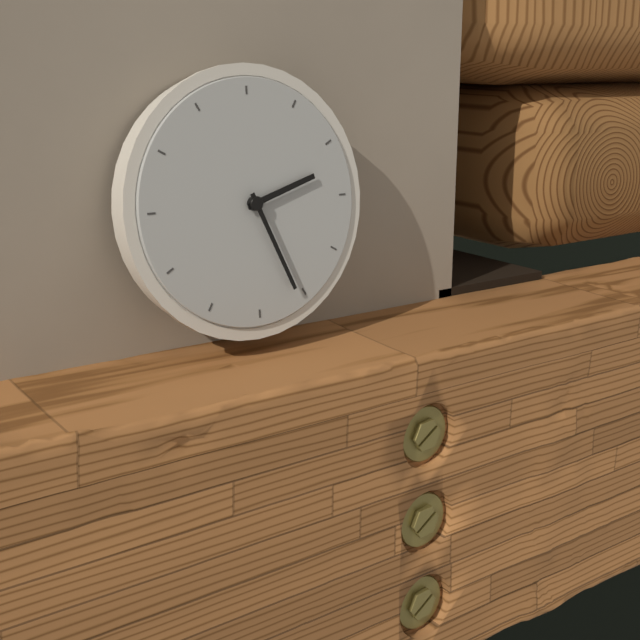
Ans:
h=2 m=26
